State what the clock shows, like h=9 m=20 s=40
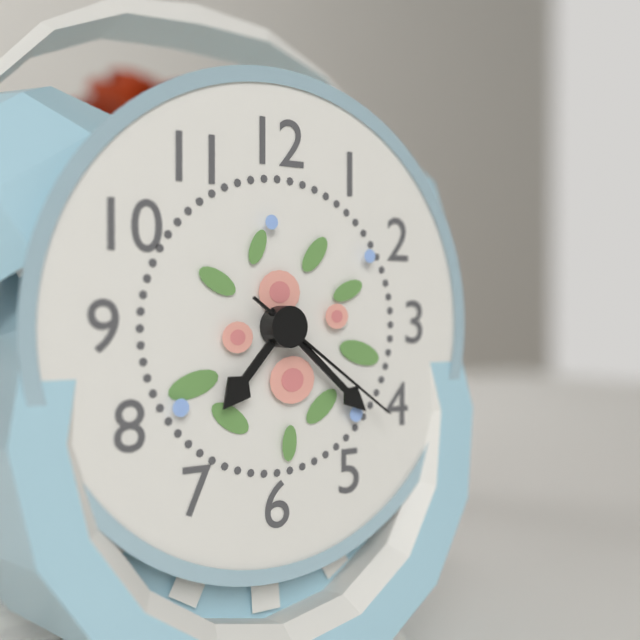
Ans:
h=7 m=22 s=21
